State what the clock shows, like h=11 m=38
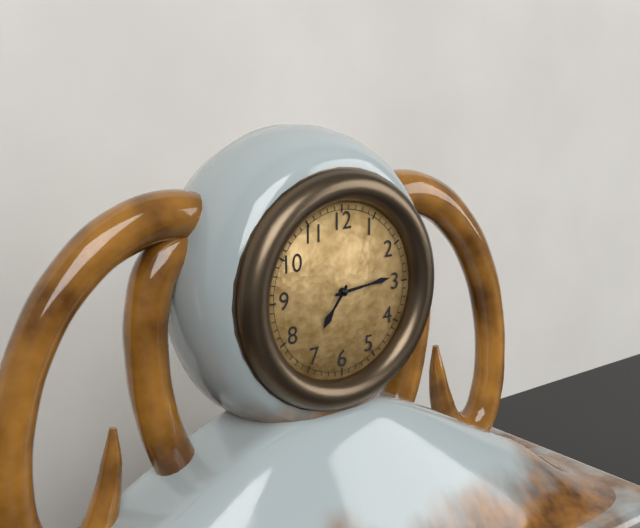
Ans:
h=7 m=14
